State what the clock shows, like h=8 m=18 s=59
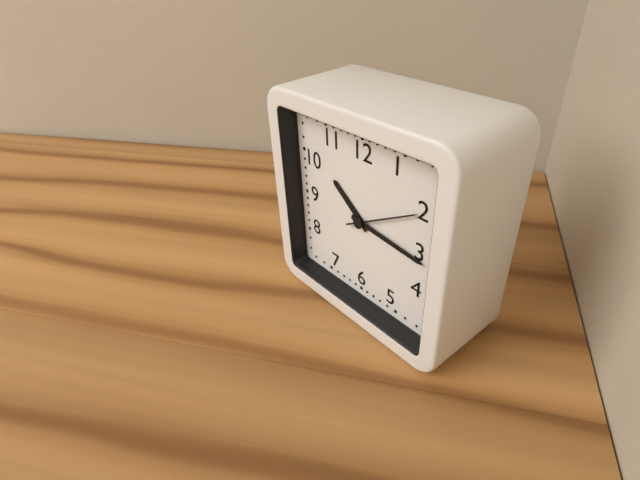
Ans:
h=10 m=16 s=10
